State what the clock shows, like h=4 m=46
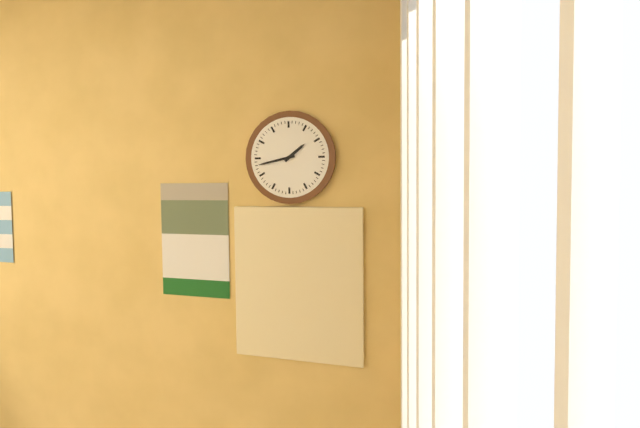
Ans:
h=1 m=43
